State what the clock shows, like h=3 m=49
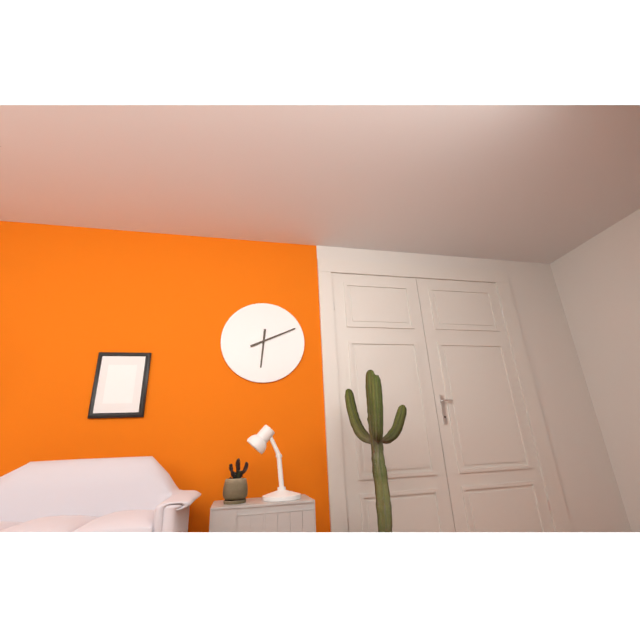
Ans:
h=6 m=11
